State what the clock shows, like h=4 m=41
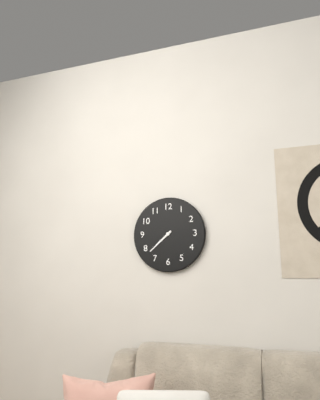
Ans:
h=7 m=38
